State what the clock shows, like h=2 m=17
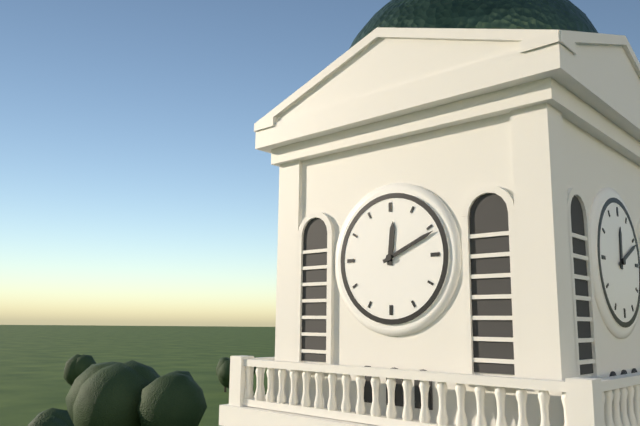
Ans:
h=12 m=11
